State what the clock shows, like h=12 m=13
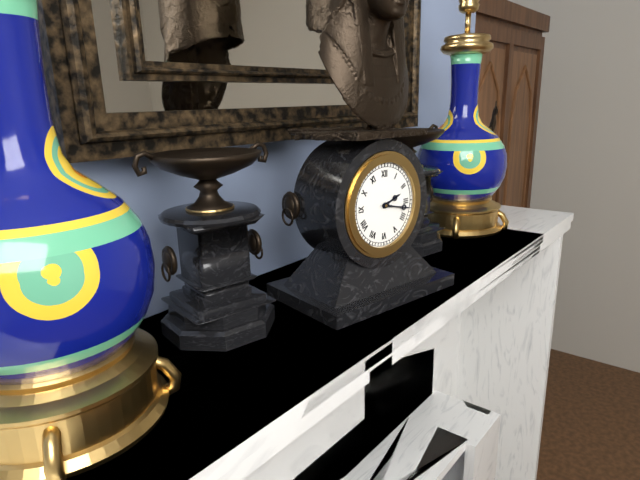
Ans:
h=2 m=17
